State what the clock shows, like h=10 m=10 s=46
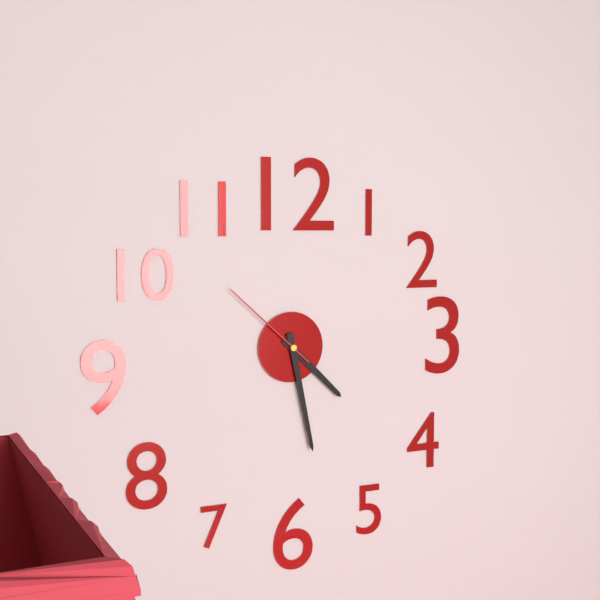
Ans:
h=4 m=28 s=52
